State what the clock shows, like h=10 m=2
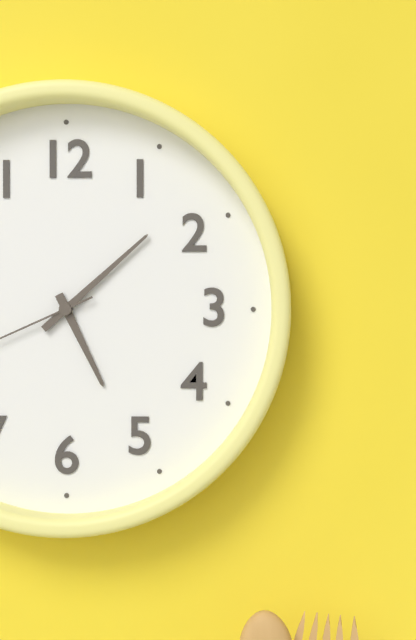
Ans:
h=5 m=8
